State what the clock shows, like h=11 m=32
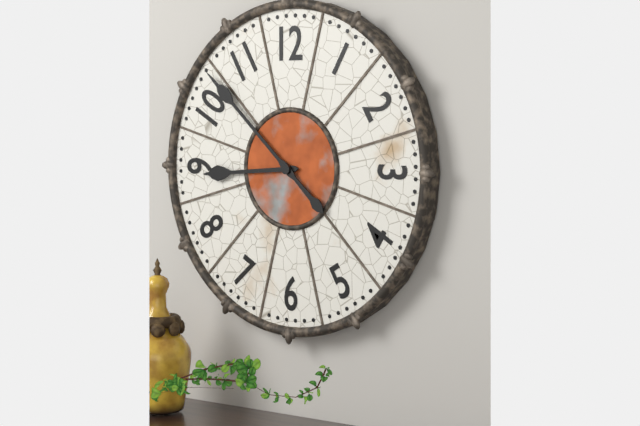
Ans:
h=8 m=52
